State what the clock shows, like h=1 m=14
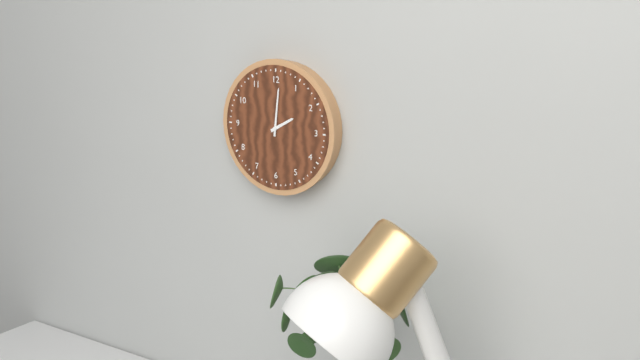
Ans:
h=2 m=1
